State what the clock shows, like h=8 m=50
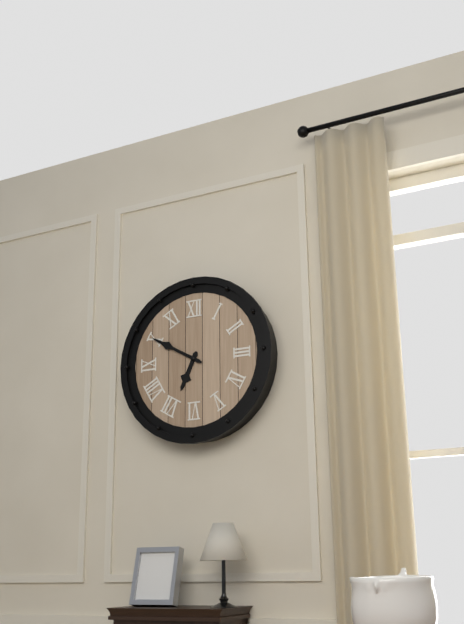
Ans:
h=6 m=50
